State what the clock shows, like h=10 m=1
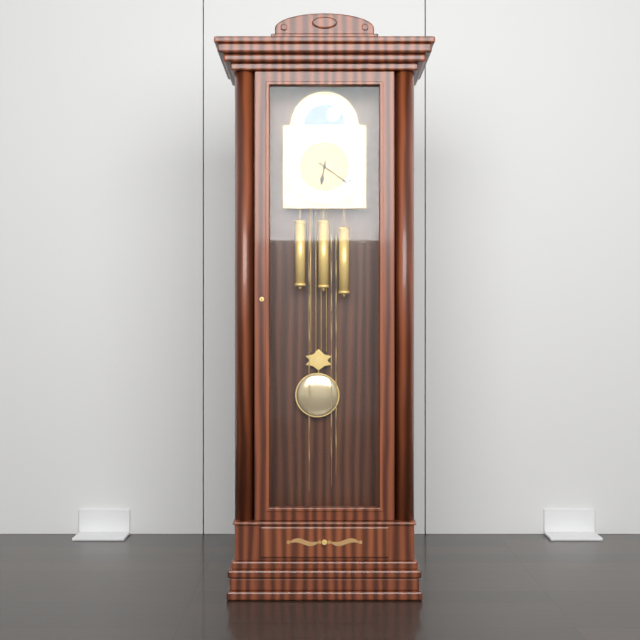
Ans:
h=6 m=21
